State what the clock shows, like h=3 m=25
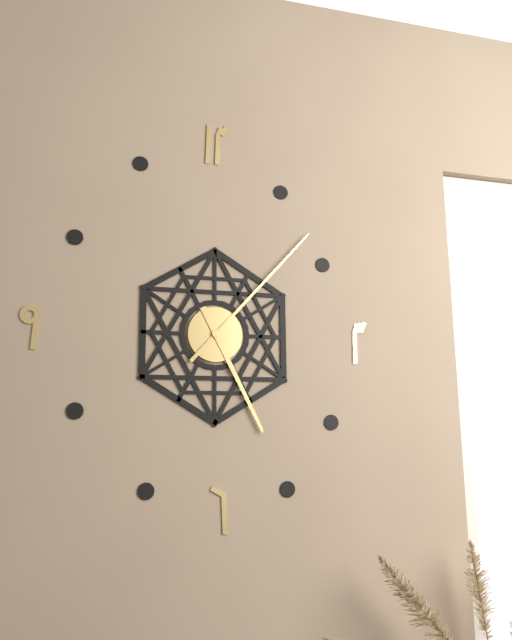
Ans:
h=5 m=7
